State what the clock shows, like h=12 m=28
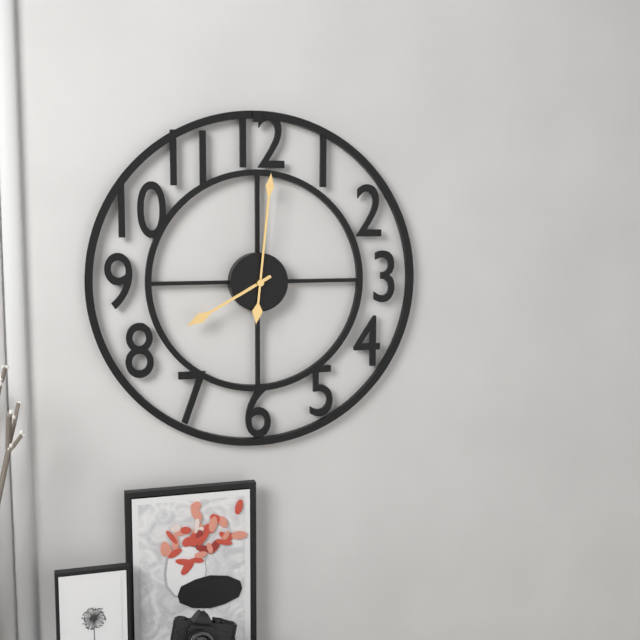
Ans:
h=8 m=1
